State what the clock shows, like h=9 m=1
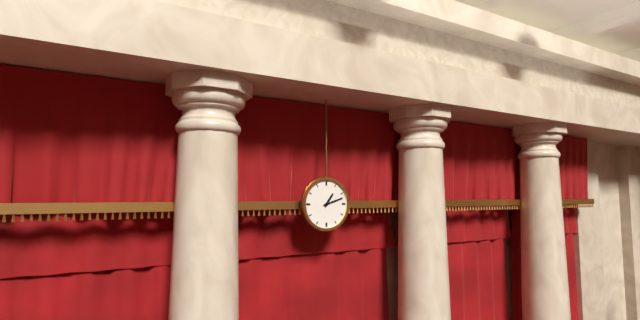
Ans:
h=1 m=12
